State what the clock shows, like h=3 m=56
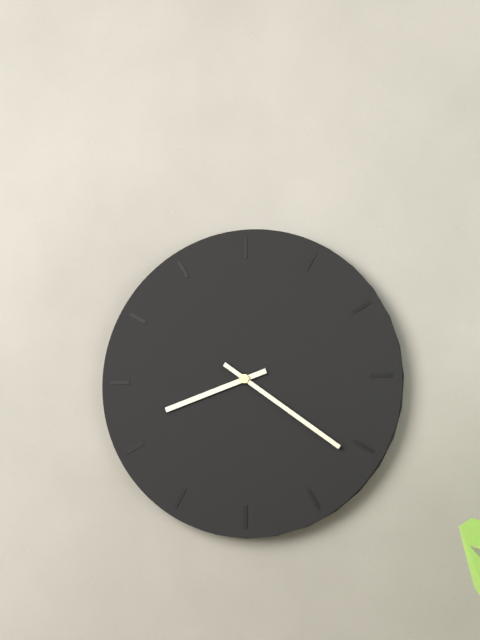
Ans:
h=8 m=21
